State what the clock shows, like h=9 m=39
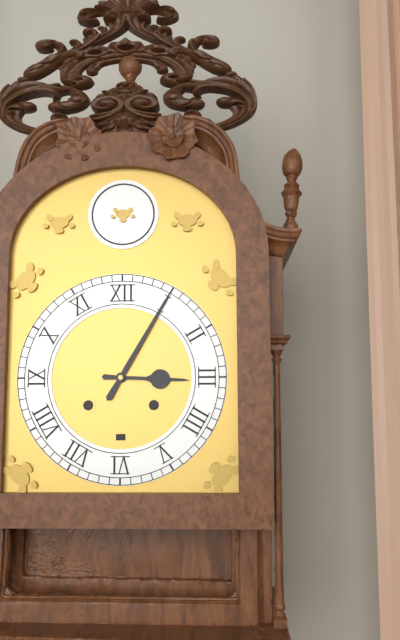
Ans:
h=3 m=5
